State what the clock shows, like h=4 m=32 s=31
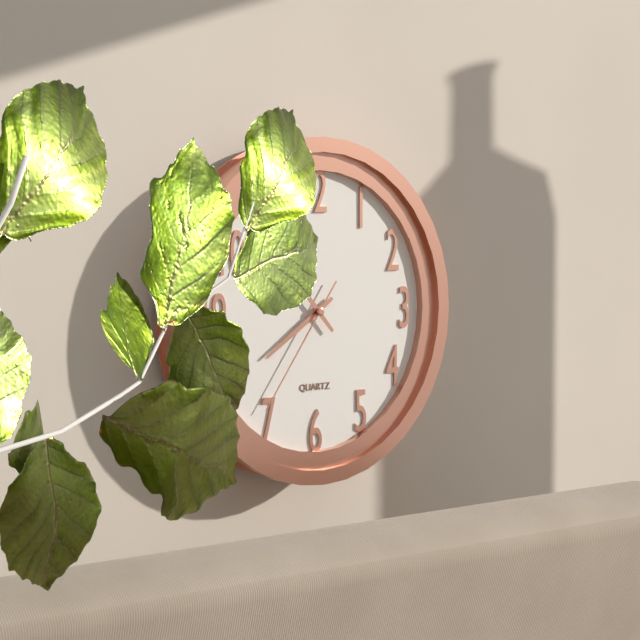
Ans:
h=7 m=53 s=36
